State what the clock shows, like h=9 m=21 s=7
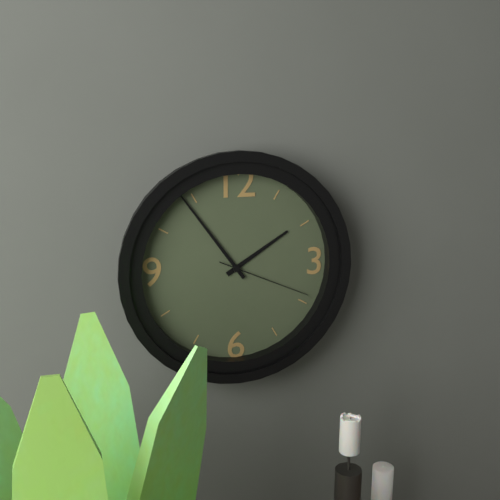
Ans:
h=1 m=54 s=19
